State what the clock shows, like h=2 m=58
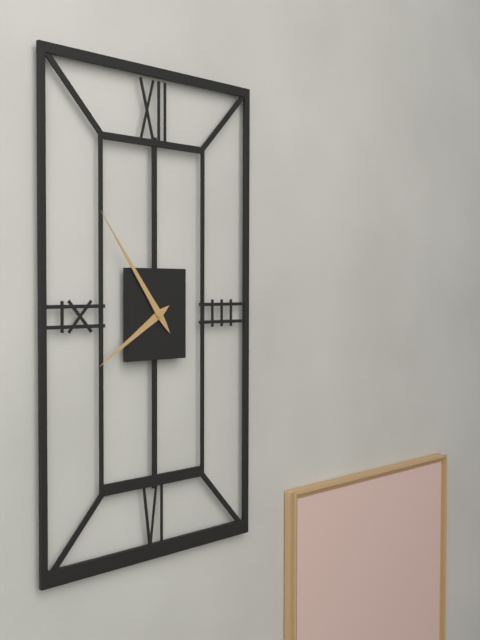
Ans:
h=7 m=54
